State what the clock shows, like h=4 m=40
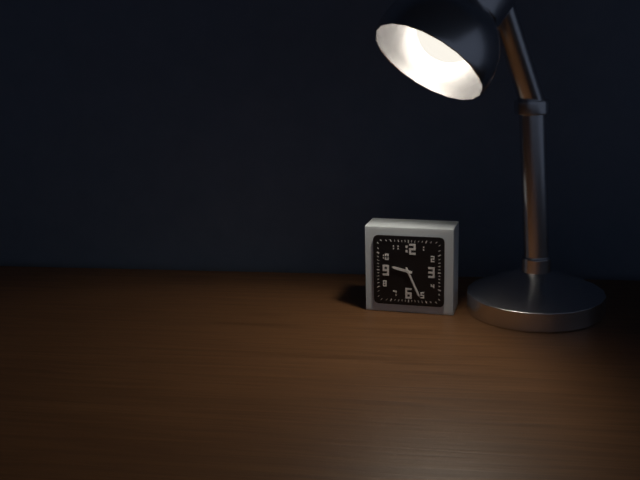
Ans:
h=9 m=26
